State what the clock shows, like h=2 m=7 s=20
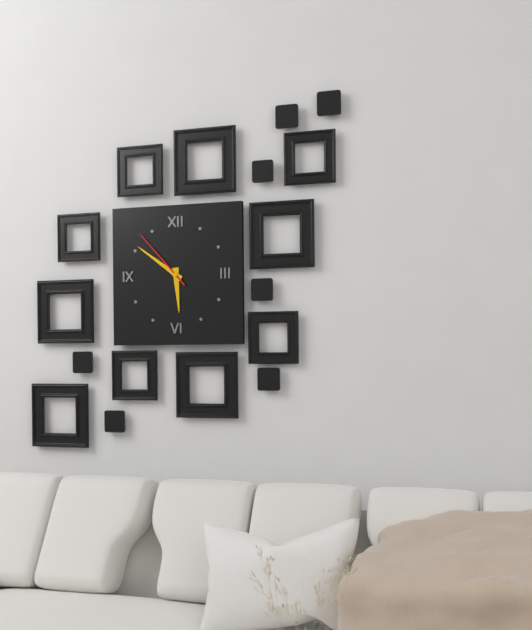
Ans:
h=5 m=51 s=53
